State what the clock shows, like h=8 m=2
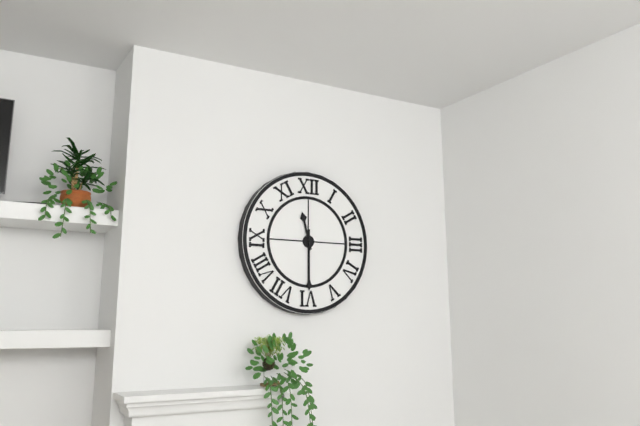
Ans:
h=11 m=30
